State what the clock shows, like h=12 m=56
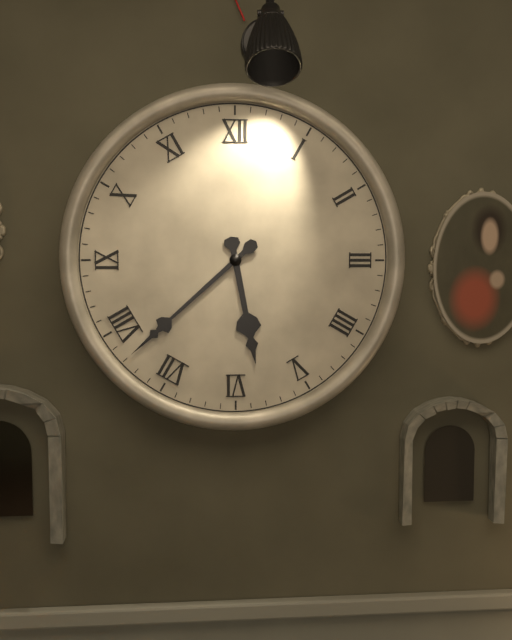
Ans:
h=5 m=38
